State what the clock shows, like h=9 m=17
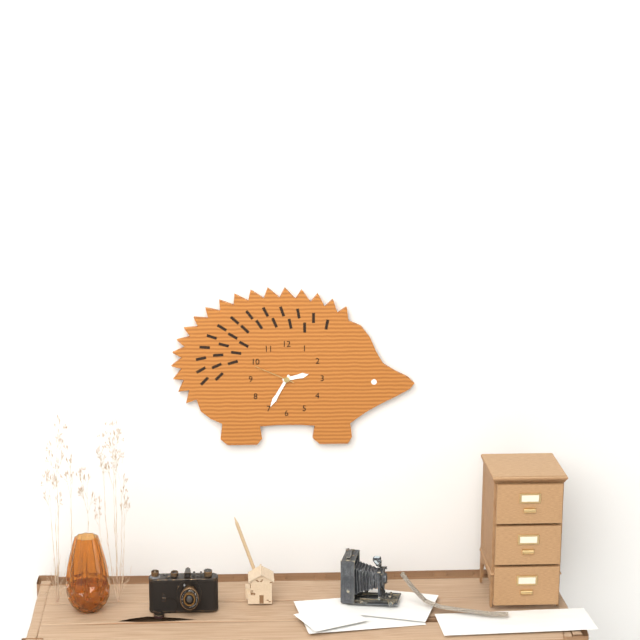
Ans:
h=2 m=35
